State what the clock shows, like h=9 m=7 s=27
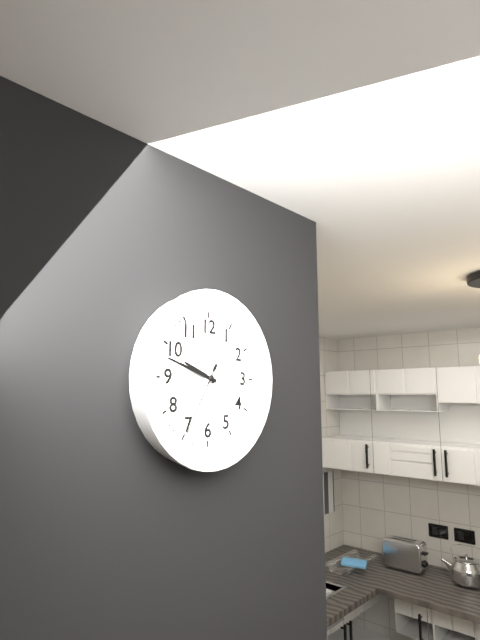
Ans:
h=9 m=48 s=35
